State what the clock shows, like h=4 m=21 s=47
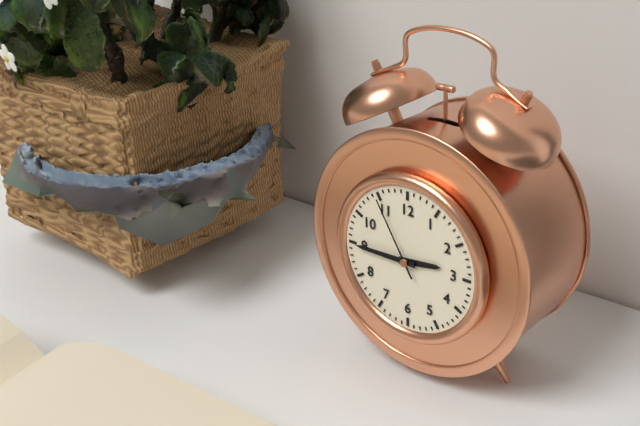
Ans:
h=2 m=45 s=55
